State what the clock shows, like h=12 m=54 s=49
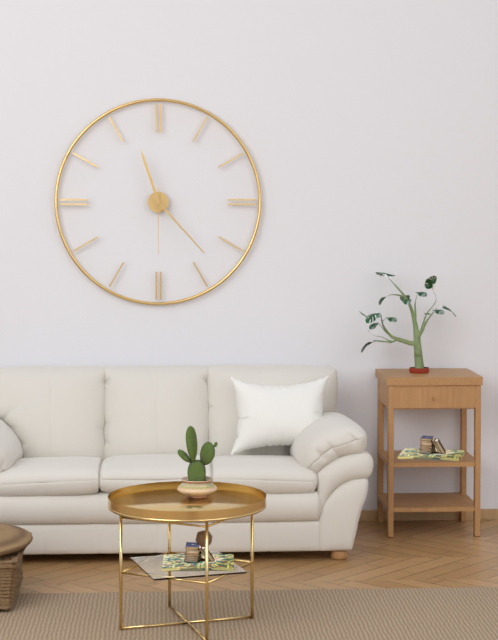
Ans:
h=11 m=23 s=30
